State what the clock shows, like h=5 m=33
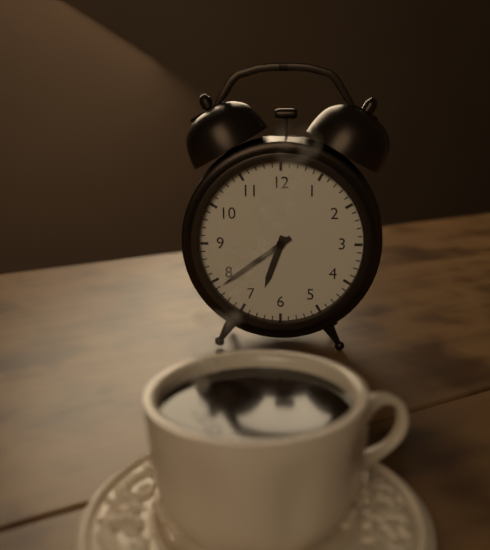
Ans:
h=6 m=39
